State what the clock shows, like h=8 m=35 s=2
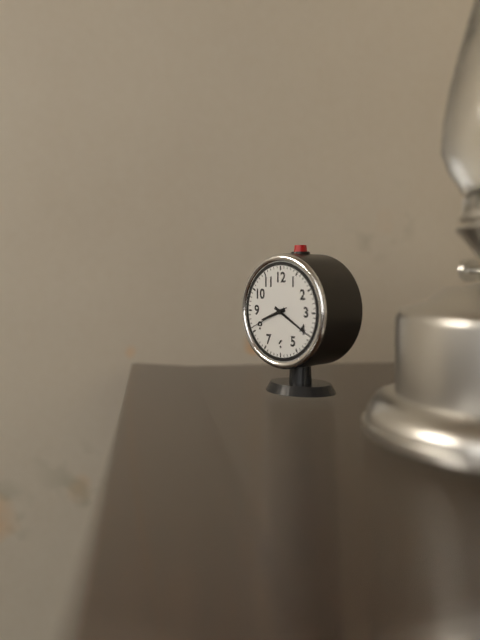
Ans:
h=8 m=20 s=41
